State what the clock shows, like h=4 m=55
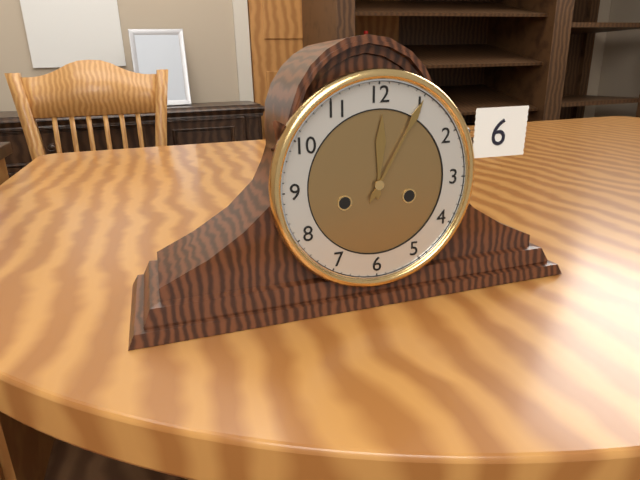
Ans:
h=12 m=5
